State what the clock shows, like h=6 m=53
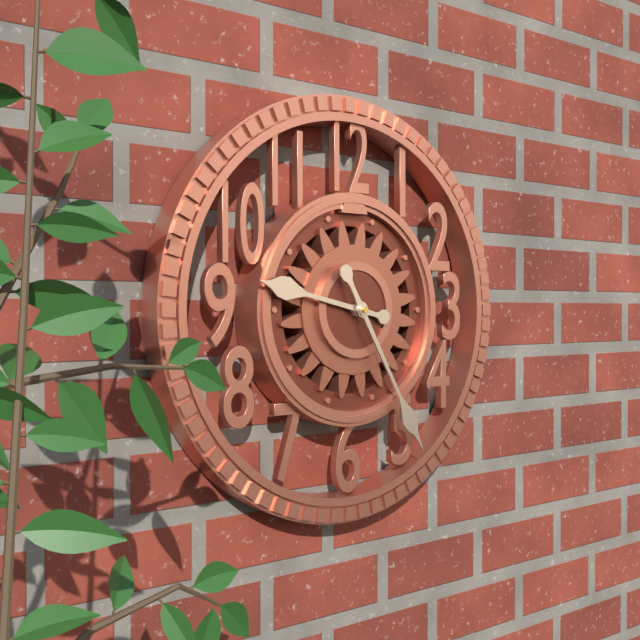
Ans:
h=9 m=25
